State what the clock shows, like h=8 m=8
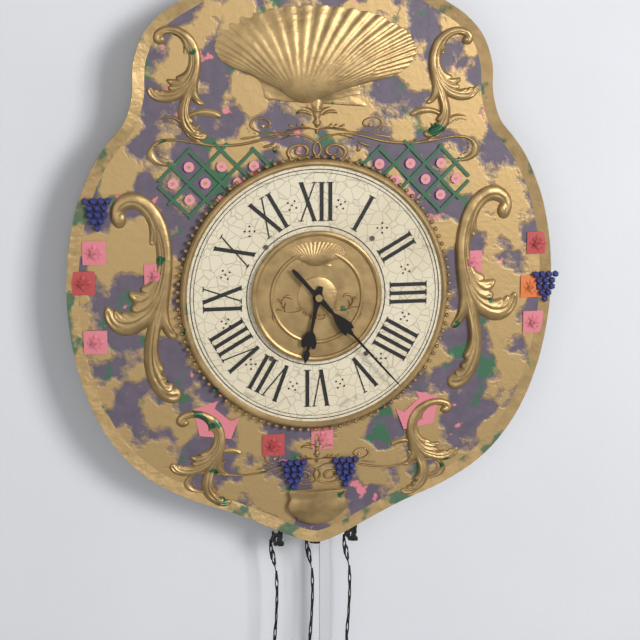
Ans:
h=6 m=23
